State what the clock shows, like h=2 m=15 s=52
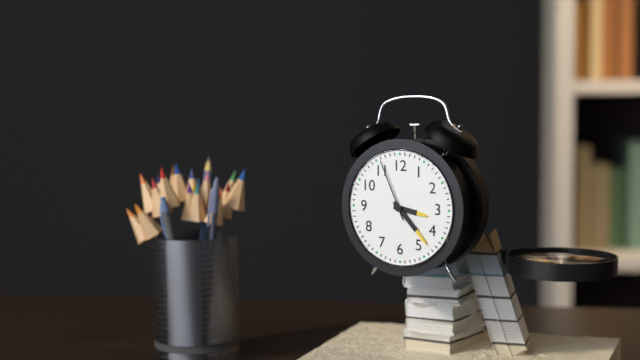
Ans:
h=3 m=23 s=56
